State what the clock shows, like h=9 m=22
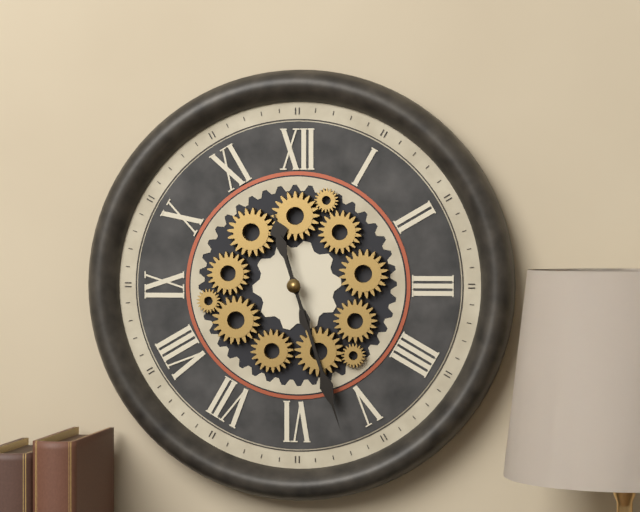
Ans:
h=11 m=27
